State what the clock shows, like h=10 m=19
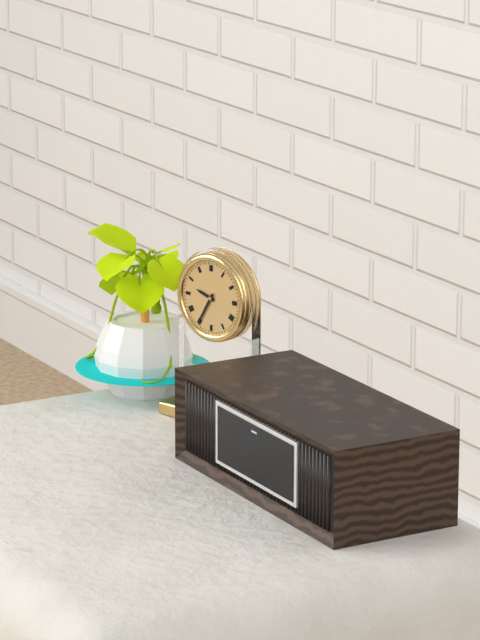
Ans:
h=9 m=35
